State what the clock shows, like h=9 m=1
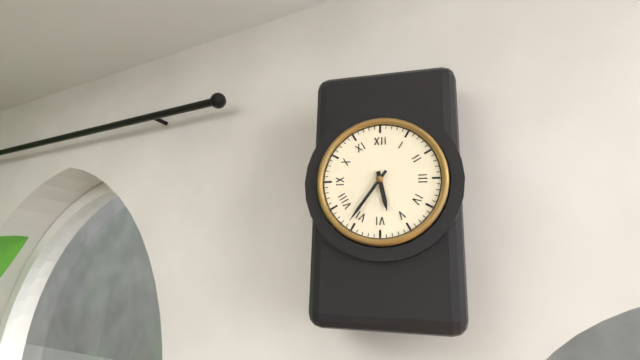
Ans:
h=5 m=36
